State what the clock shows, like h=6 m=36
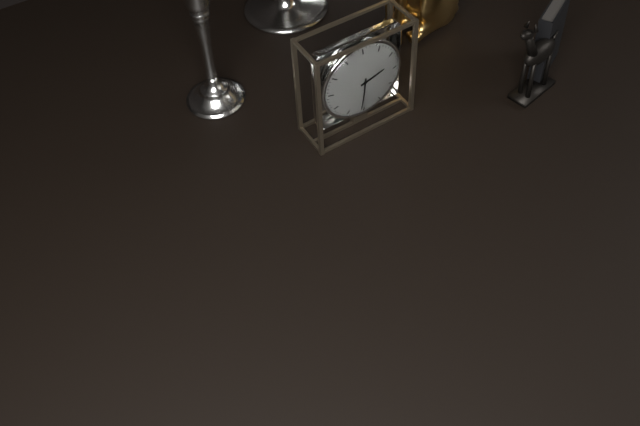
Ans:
h=2 m=31
